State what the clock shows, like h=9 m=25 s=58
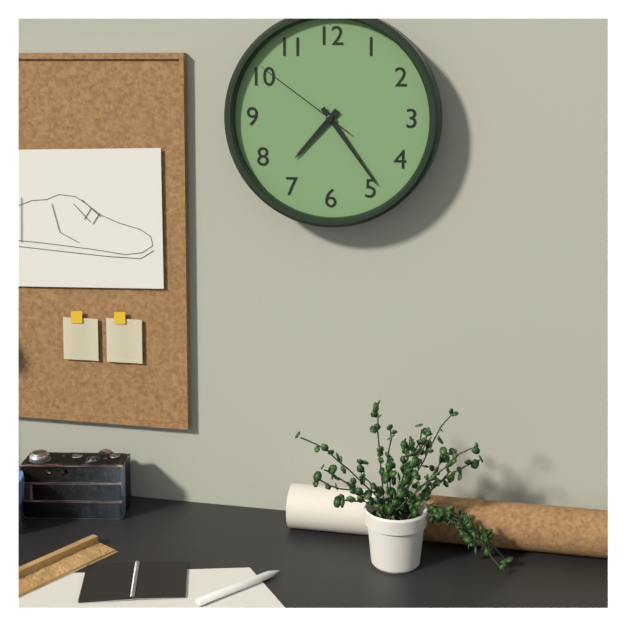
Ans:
h=7 m=24 s=51
